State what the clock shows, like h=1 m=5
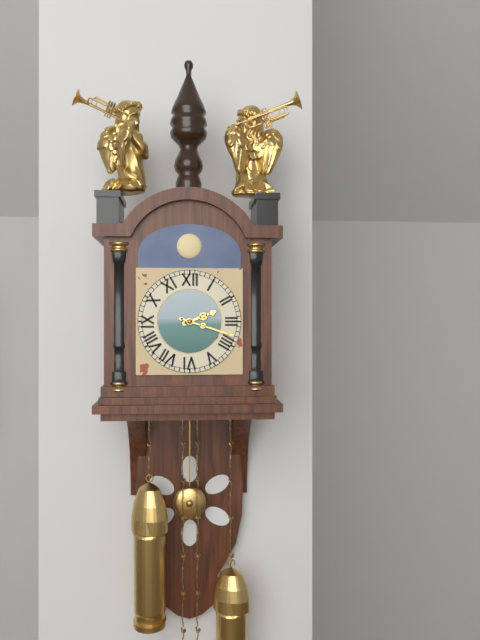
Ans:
h=2 m=18
